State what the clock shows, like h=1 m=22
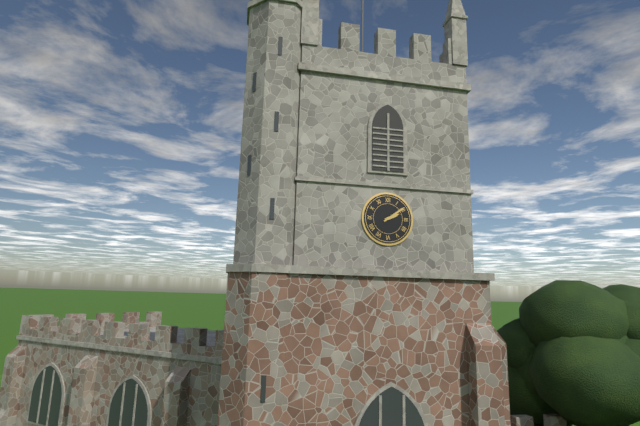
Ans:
h=2 m=9
